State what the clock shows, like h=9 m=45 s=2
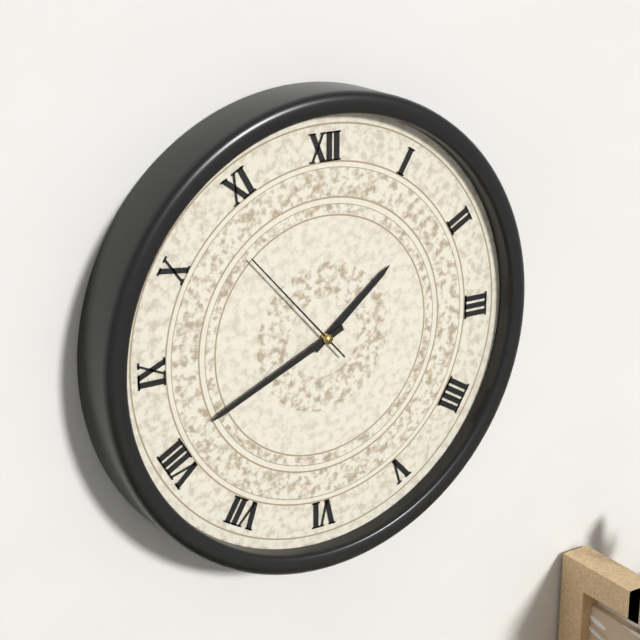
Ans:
h=1 m=41 s=53
